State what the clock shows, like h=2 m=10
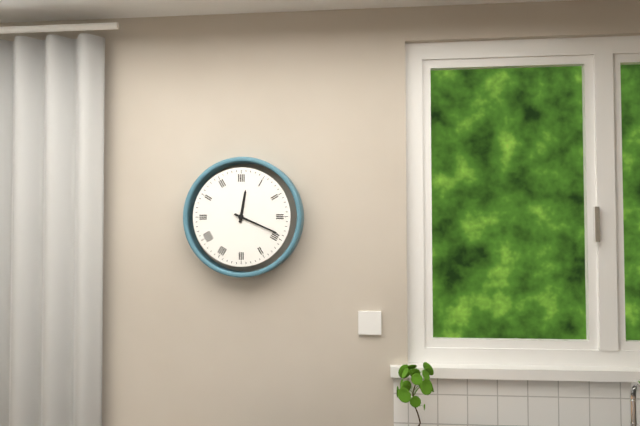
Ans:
h=12 m=19
